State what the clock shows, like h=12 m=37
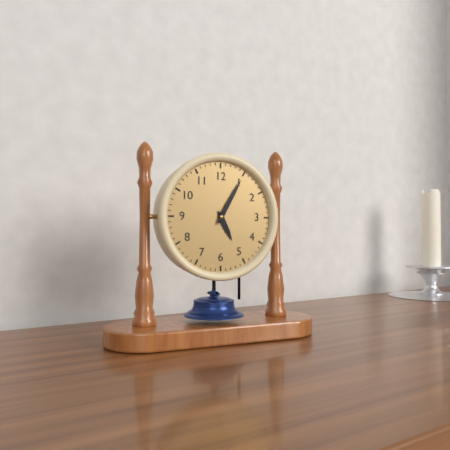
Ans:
h=5 m=5
